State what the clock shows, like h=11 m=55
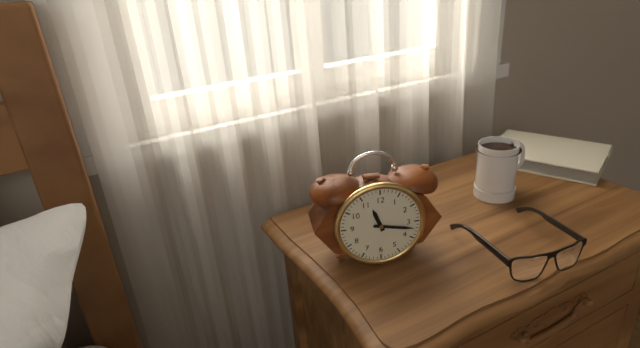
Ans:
h=11 m=17
